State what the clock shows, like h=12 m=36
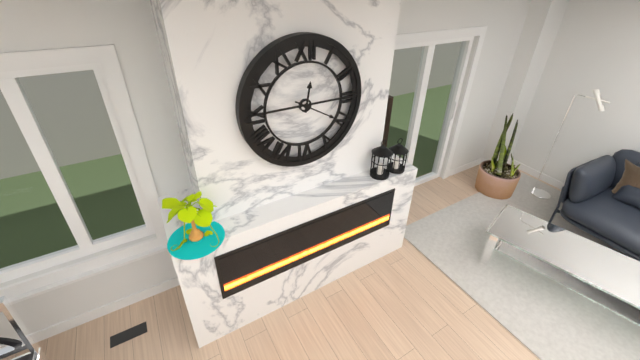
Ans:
h=12 m=20
